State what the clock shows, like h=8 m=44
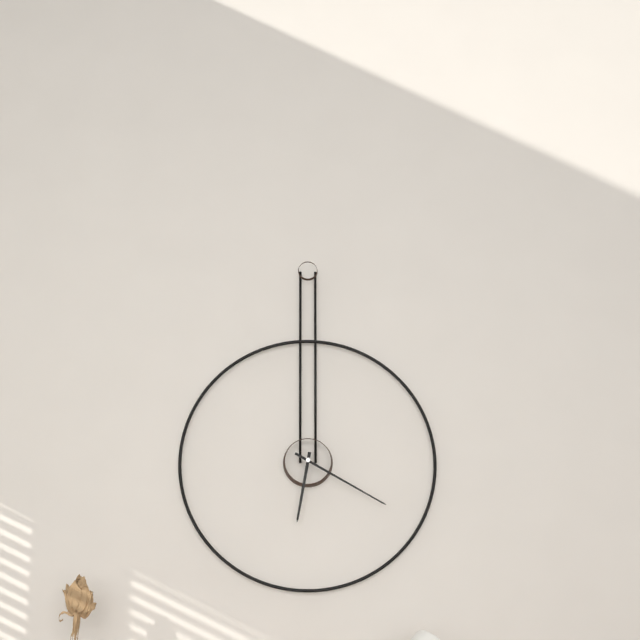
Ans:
h=6 m=20
